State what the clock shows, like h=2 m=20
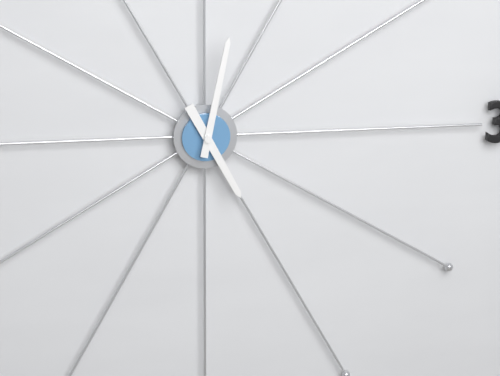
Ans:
h=5 m=2
